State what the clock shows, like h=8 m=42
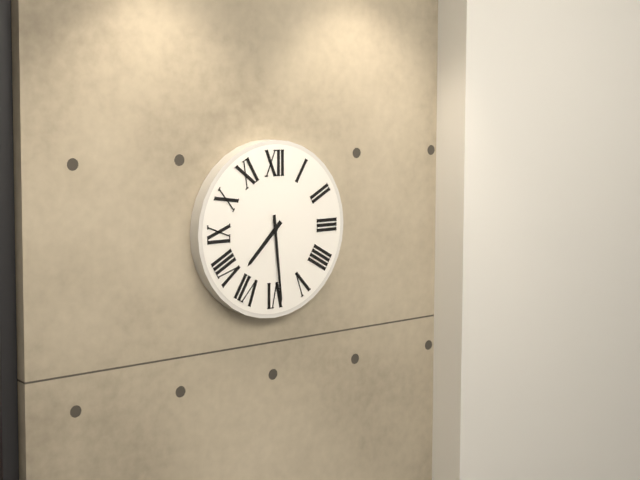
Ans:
h=7 m=29
